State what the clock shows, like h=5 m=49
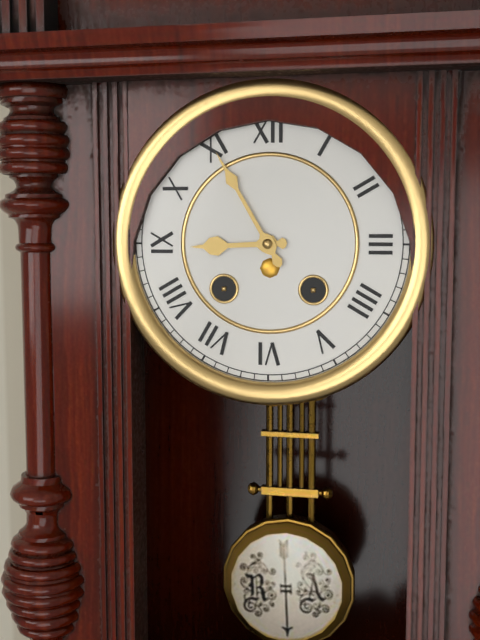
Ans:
h=8 m=55
